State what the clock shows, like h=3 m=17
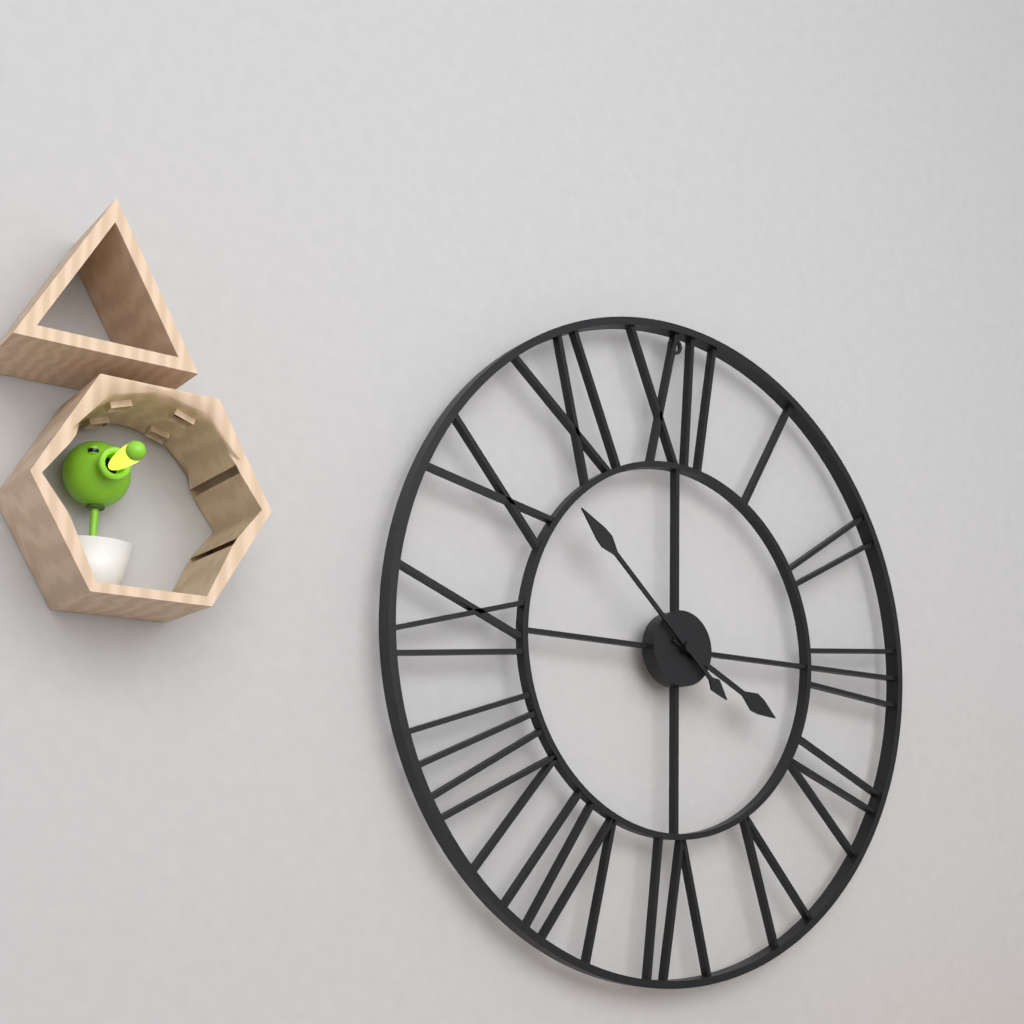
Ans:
h=3 m=52
